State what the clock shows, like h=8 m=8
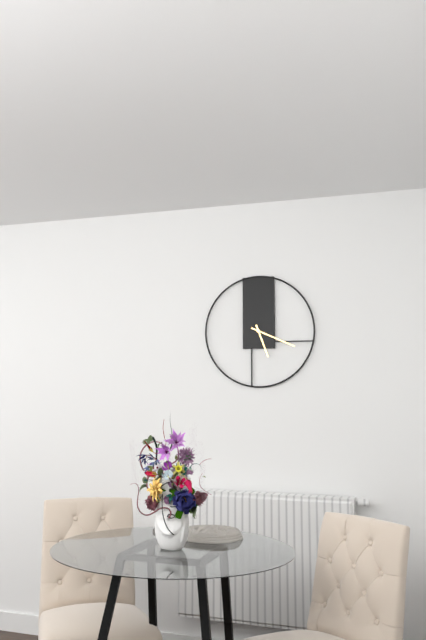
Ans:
h=5 m=19
